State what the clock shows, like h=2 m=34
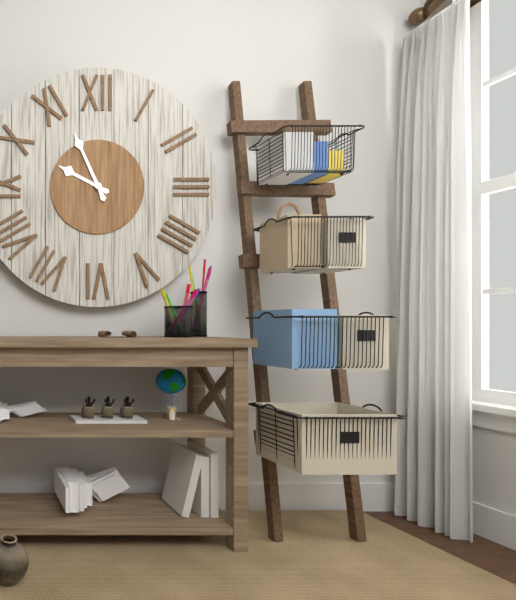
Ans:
h=9 m=56
